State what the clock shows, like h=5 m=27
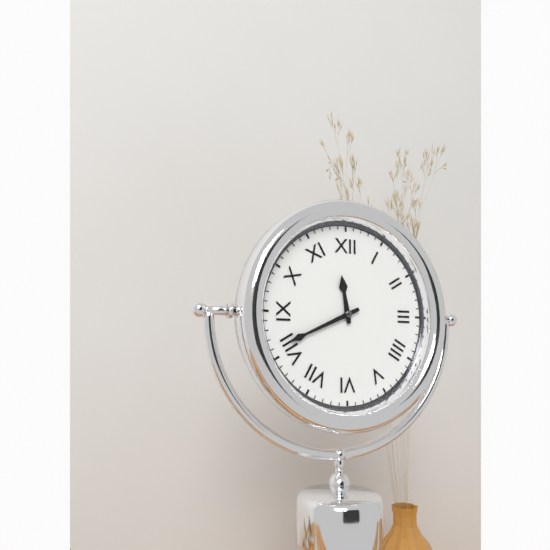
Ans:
h=11 m=41
